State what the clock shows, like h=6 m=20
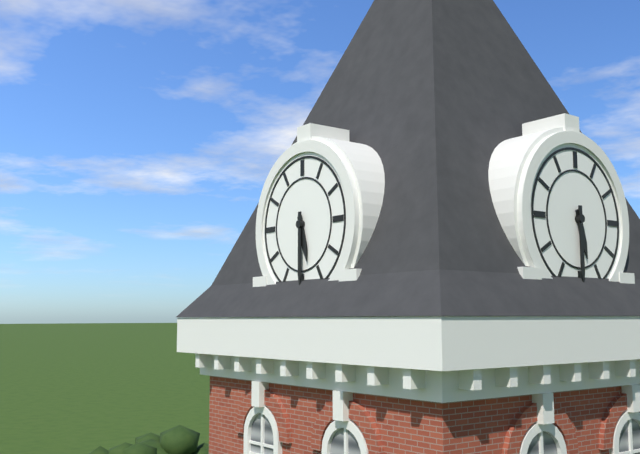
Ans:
h=5 m=30
